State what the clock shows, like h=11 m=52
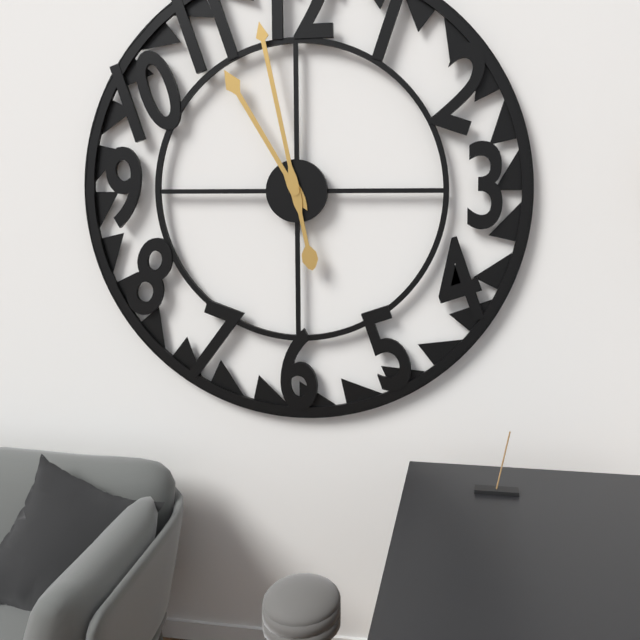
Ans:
h=10 m=58
